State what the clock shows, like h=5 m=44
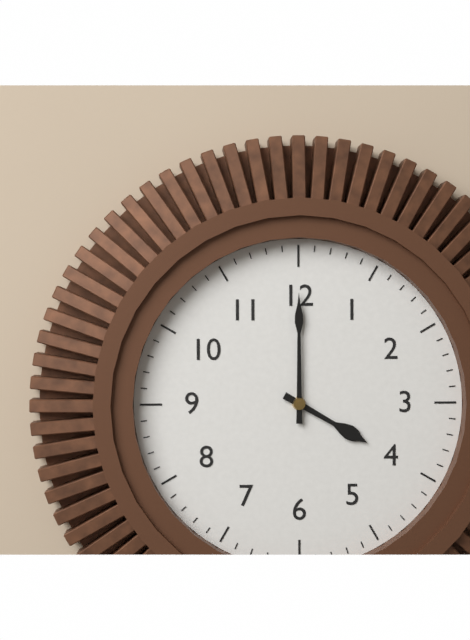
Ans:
h=4 m=0
